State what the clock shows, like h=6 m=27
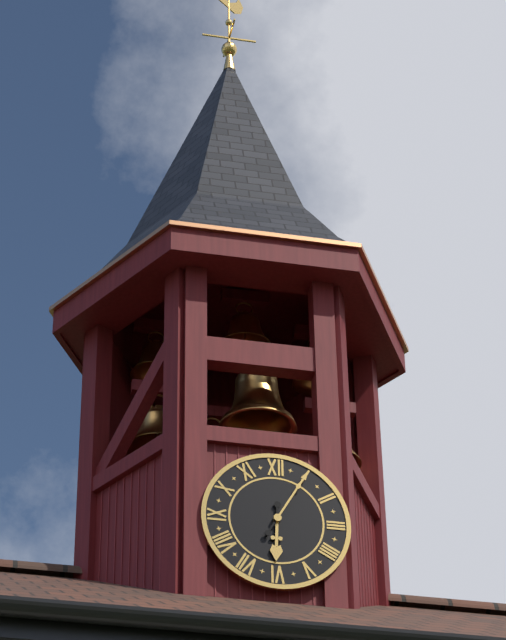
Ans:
h=6 m=5
